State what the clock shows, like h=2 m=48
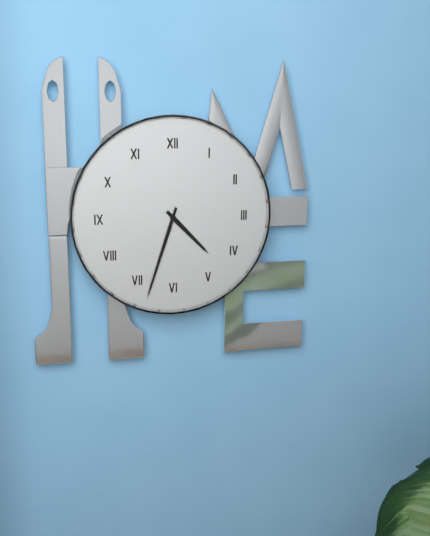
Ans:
h=4 m=33
